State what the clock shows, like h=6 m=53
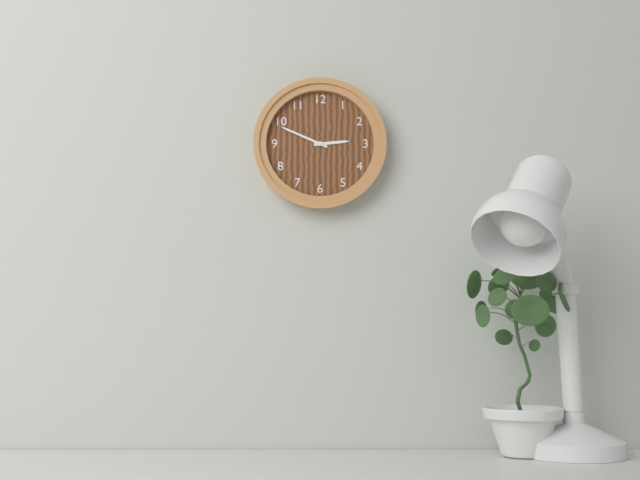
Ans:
h=2 m=49
